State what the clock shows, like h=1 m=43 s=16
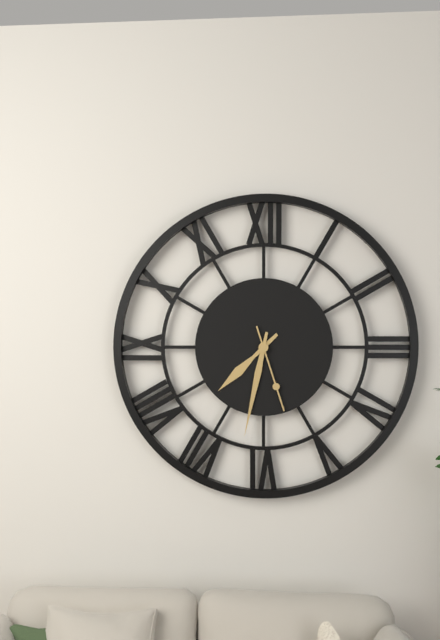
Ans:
h=7 m=32 s=27
